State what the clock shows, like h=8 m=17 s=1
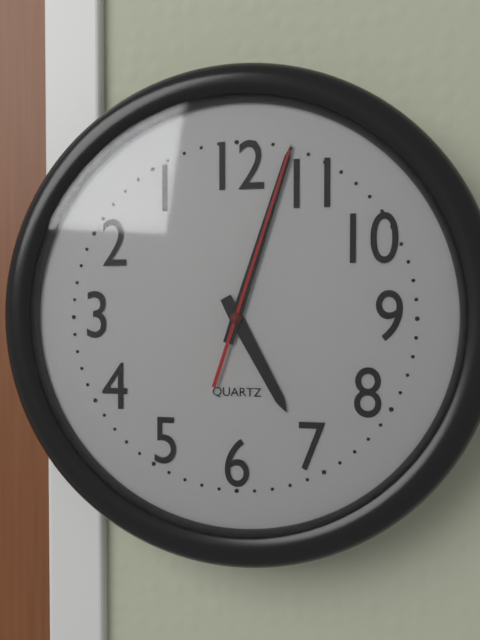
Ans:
h=5 m=3 s=3
